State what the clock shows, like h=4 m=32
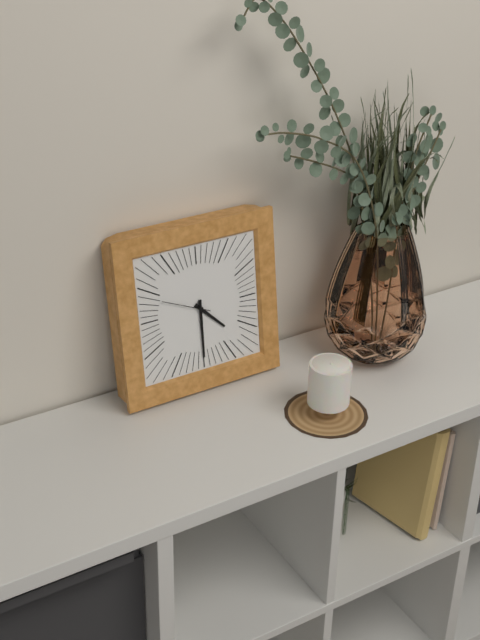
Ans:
h=4 m=30
